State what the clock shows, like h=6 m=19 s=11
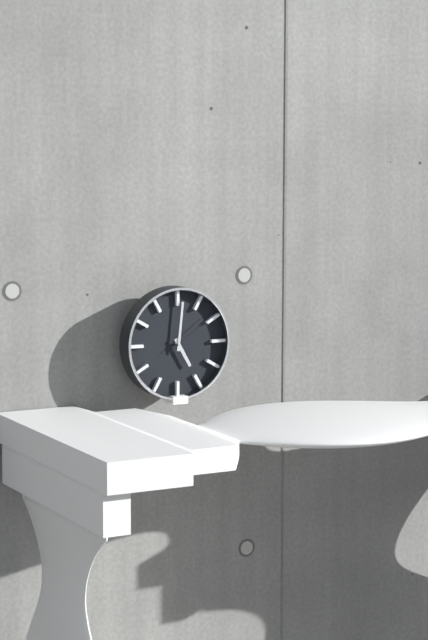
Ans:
h=5 m=1 s=9
